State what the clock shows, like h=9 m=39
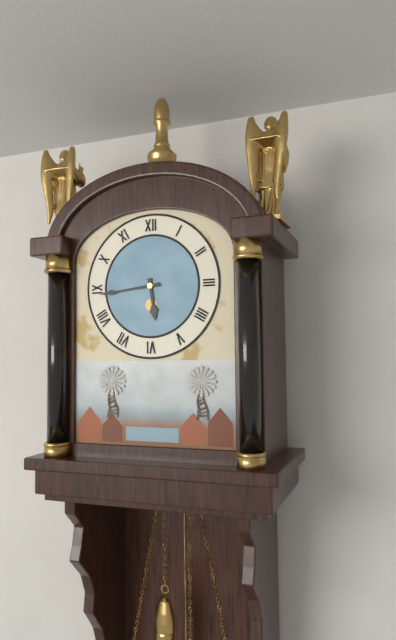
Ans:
h=5 m=44
